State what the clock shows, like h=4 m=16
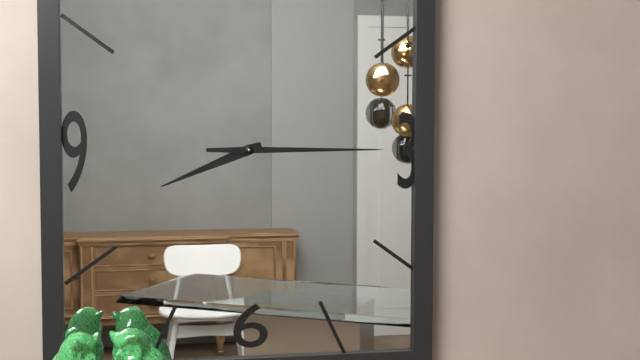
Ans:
h=8 m=15
